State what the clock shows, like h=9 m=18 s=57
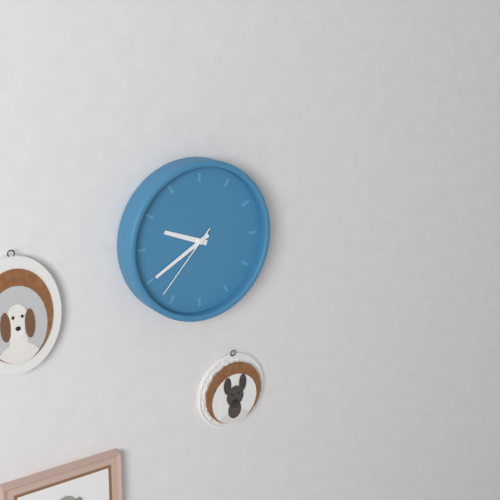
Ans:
h=9 m=40 s=37
